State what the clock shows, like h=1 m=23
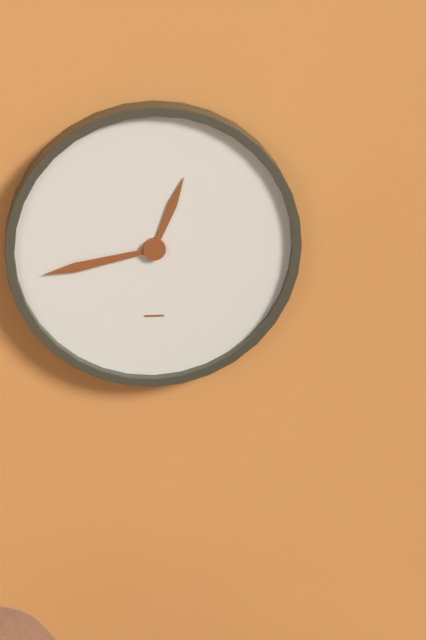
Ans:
h=12 m=43
